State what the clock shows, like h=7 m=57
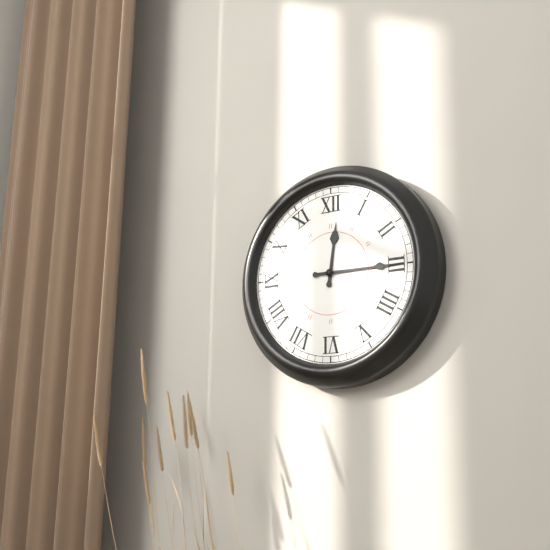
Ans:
h=12 m=15
